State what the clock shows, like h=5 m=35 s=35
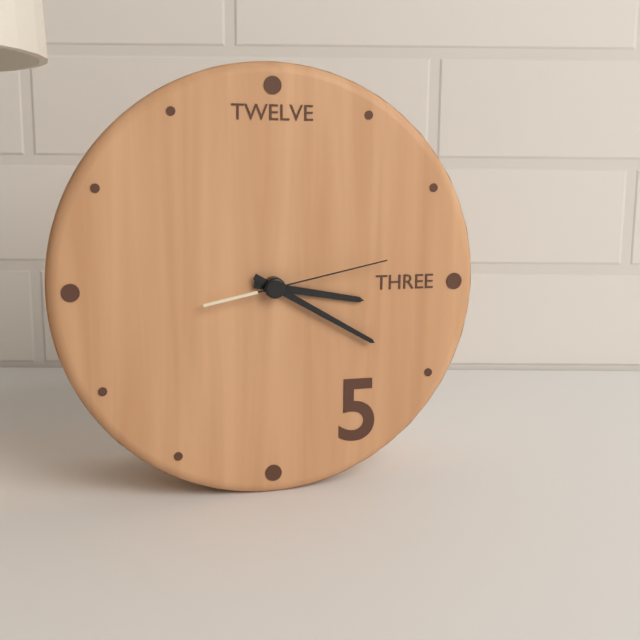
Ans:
h=3 m=20 s=13
